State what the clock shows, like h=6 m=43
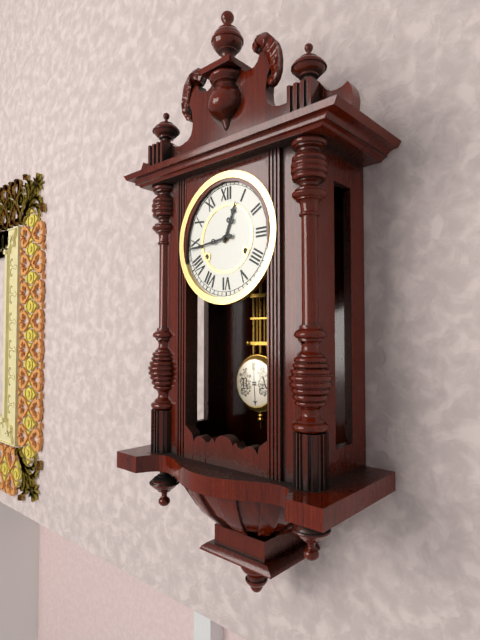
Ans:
h=12 m=44
